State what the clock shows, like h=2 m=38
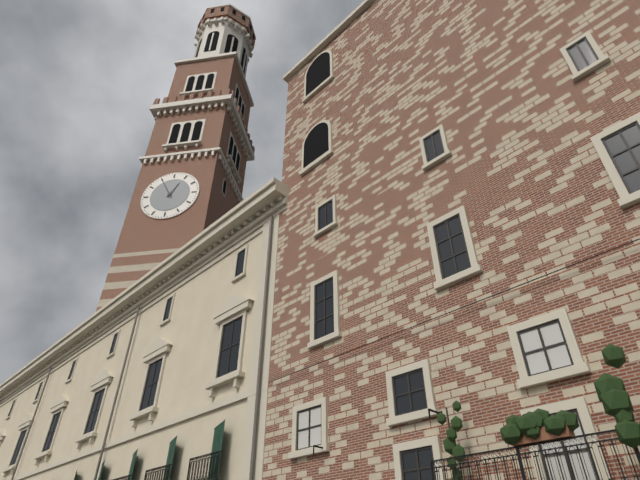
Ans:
h=12 m=55
